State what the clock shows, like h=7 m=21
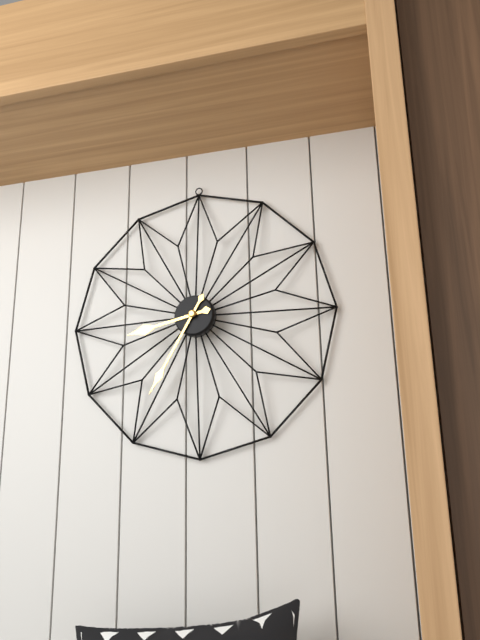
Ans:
h=8 m=35
